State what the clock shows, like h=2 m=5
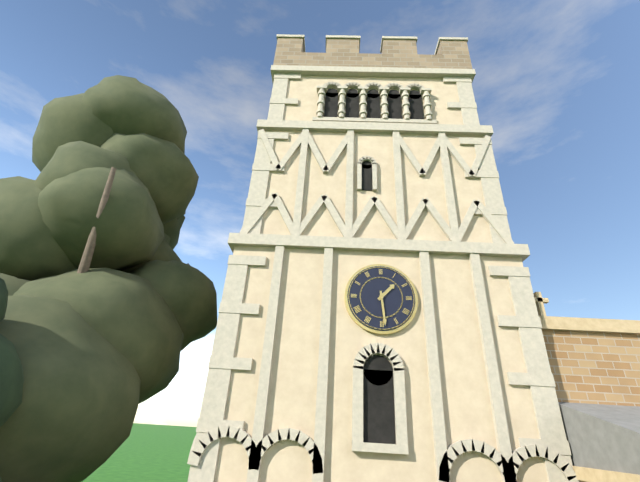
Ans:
h=1 m=29
